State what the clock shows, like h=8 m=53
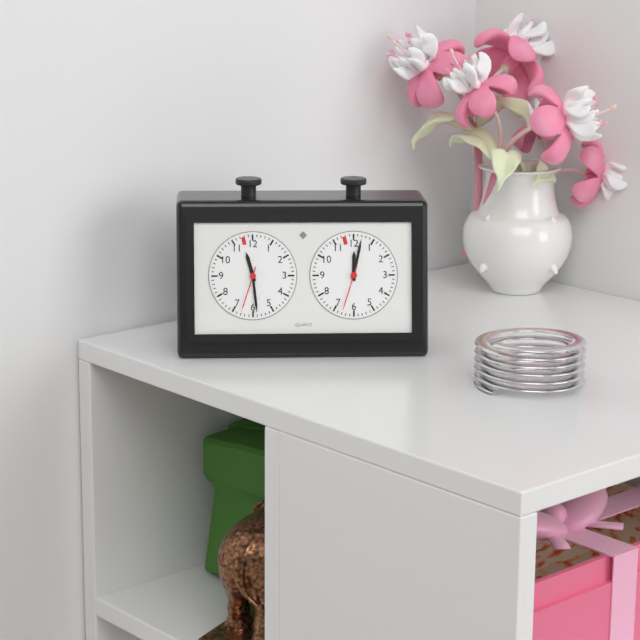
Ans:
h=11 m=29
